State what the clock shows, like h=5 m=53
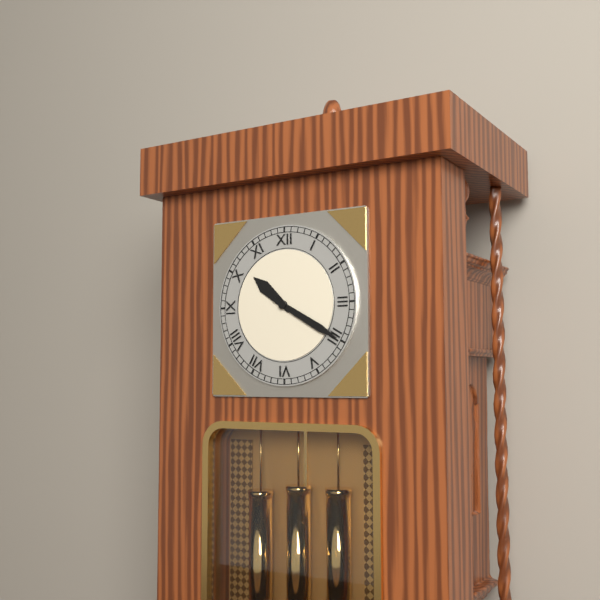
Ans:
h=10 m=20
